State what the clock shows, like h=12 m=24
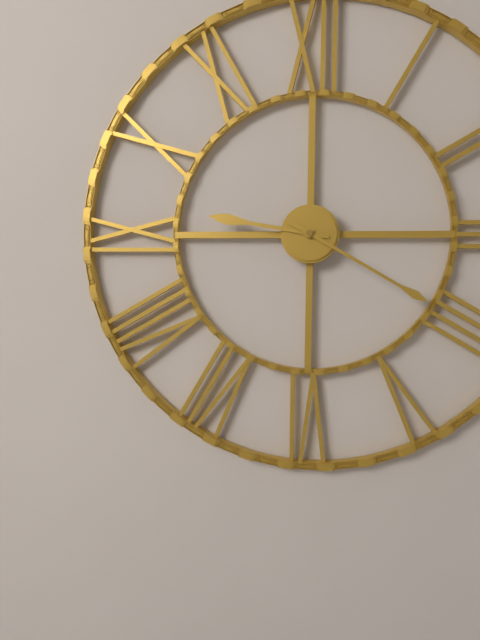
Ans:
h=9 m=20
